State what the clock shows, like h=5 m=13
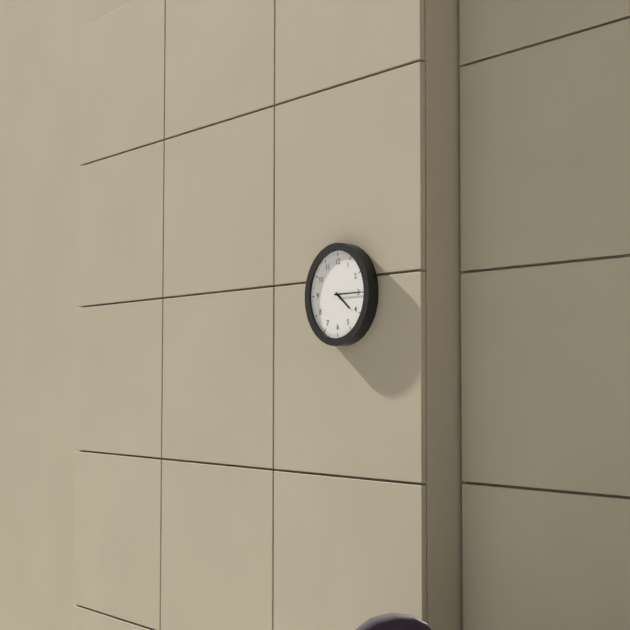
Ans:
h=4 m=15
